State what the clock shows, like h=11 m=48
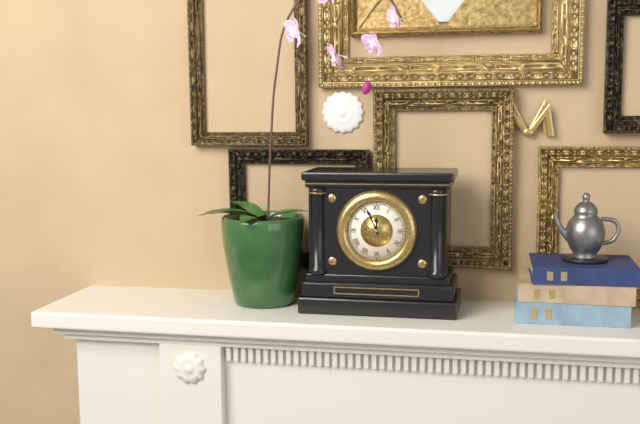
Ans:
h=11 m=56
